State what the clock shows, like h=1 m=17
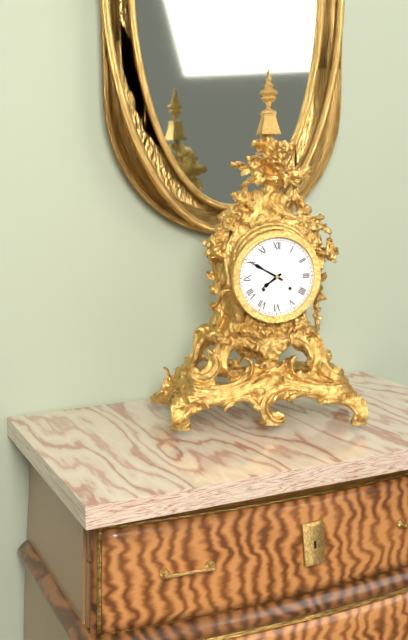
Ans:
h=7 m=50
